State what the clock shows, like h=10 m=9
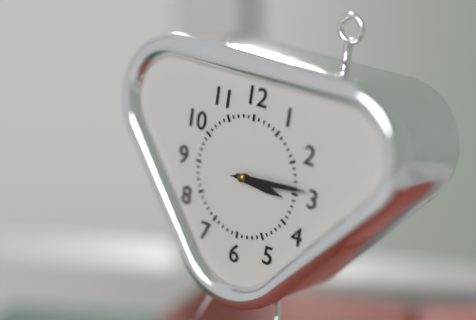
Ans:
h=3 m=14
